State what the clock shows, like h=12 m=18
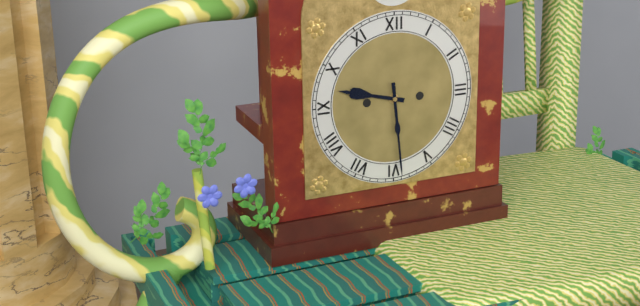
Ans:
h=9 m=29
